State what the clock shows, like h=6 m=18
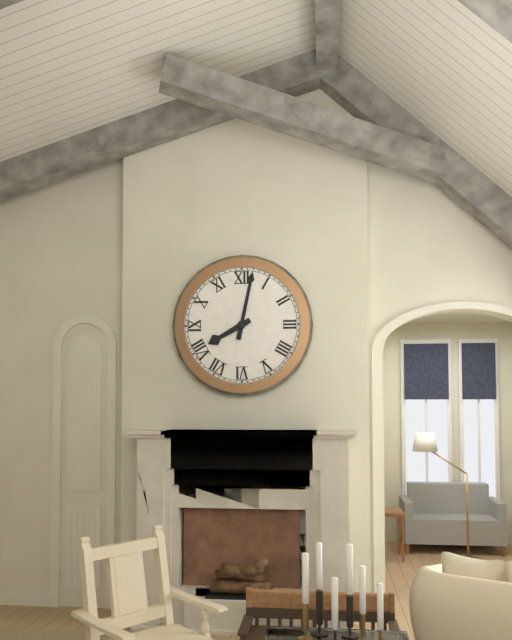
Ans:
h=8 m=2
